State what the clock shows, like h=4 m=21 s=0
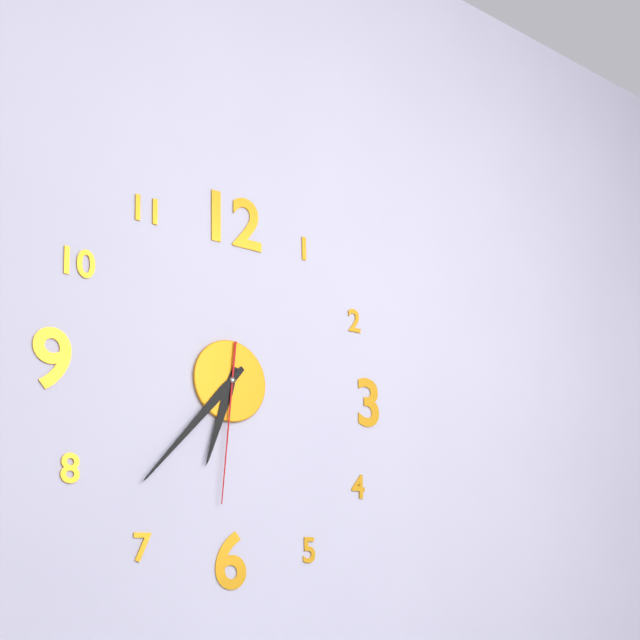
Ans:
h=6 m=37 s=31
